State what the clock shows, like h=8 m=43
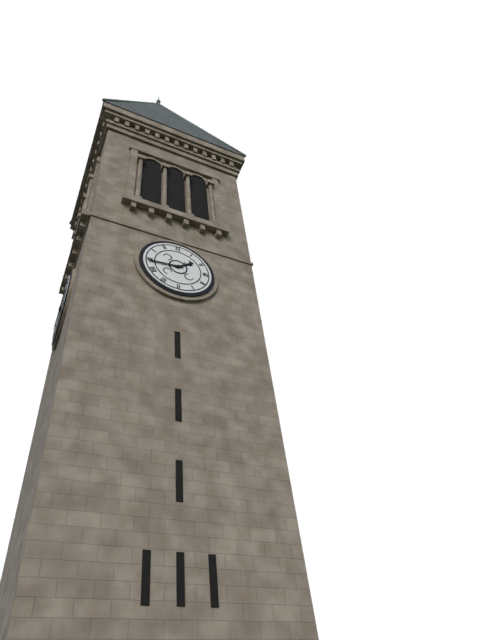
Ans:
h=1 m=44
